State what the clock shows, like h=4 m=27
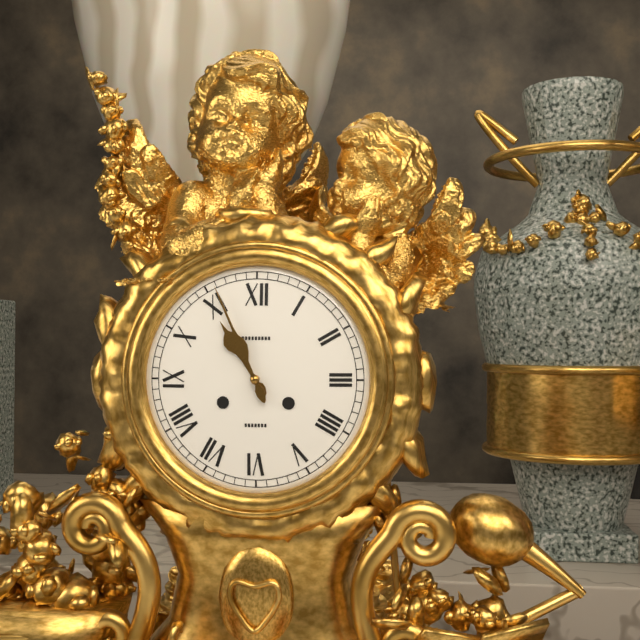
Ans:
h=10 m=56
